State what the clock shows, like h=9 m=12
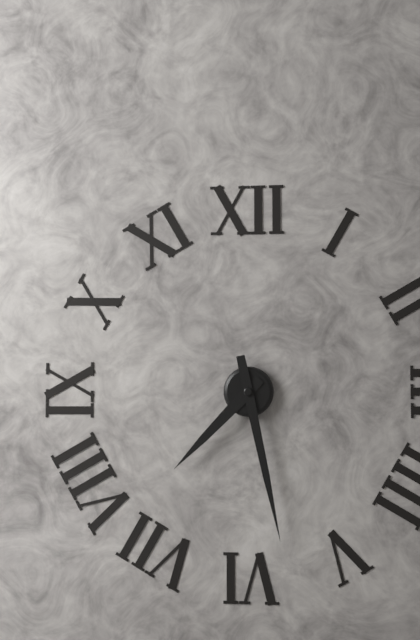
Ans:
h=7 m=28
